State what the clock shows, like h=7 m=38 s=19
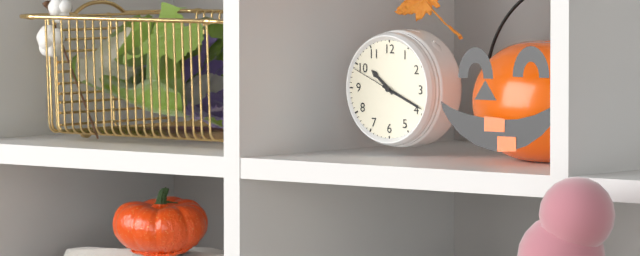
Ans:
h=10 m=19 s=49
